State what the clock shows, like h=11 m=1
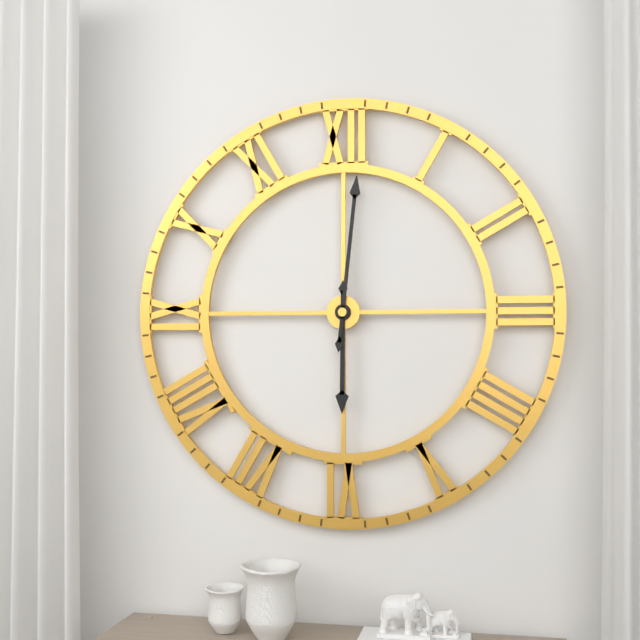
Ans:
h=6 m=1
